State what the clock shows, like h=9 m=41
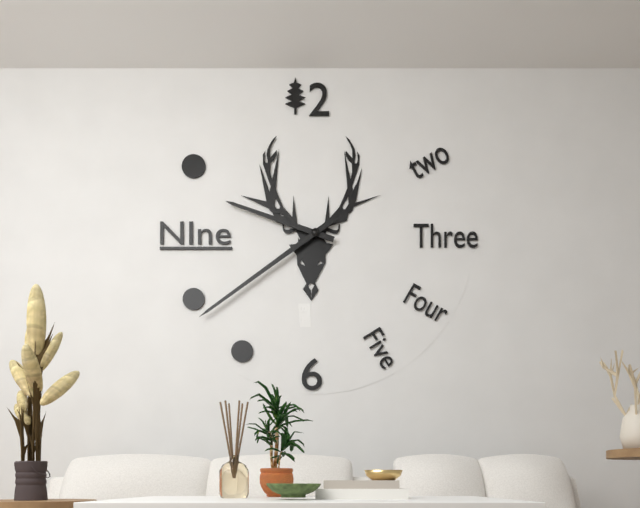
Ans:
h=9 m=39
